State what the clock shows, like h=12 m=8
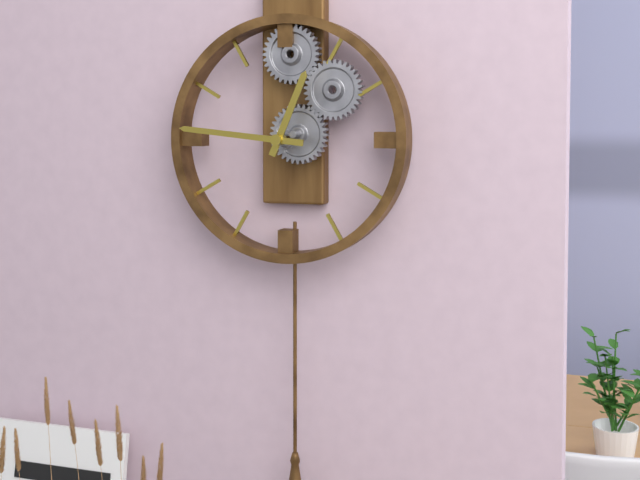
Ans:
h=12 m=46
